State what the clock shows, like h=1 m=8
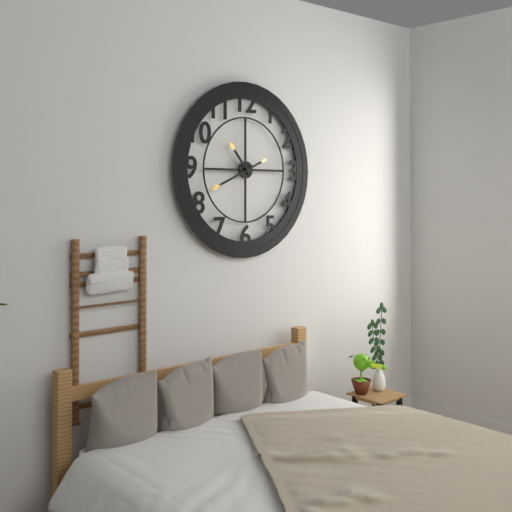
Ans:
h=10 m=41
